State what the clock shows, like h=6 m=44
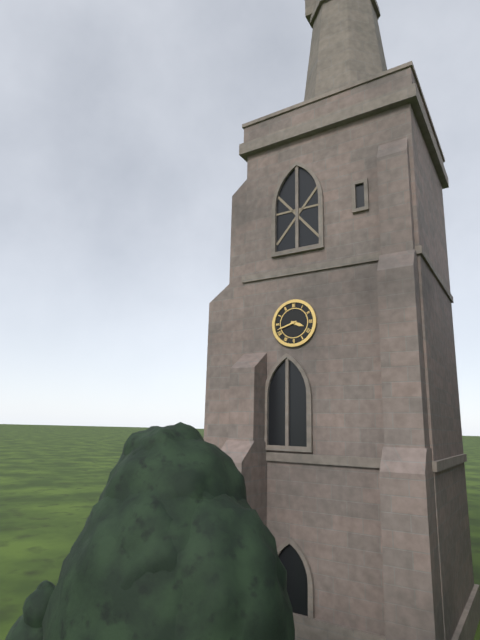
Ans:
h=3 m=42
